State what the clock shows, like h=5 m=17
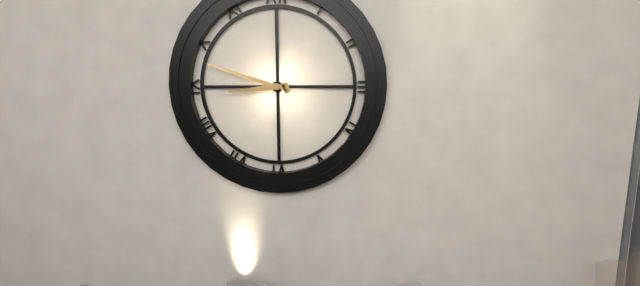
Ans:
h=8 m=48
